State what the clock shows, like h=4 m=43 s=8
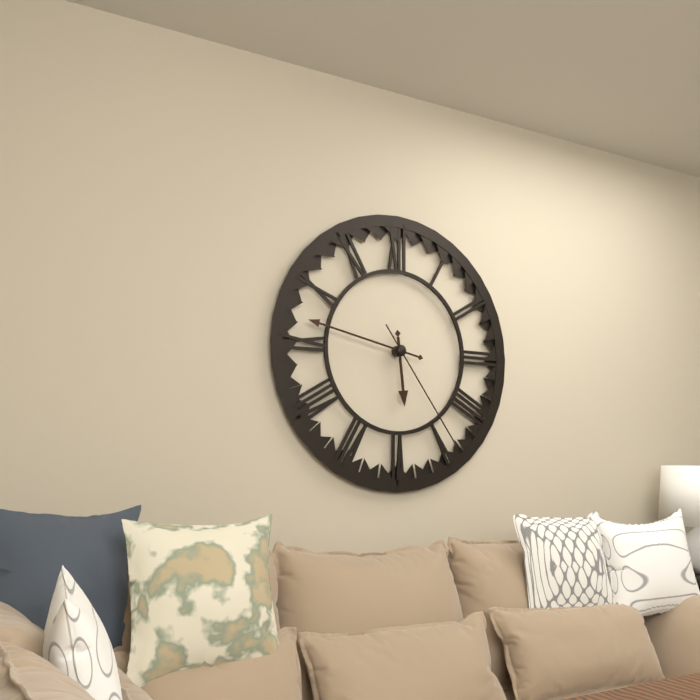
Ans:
h=5 m=47 s=24
